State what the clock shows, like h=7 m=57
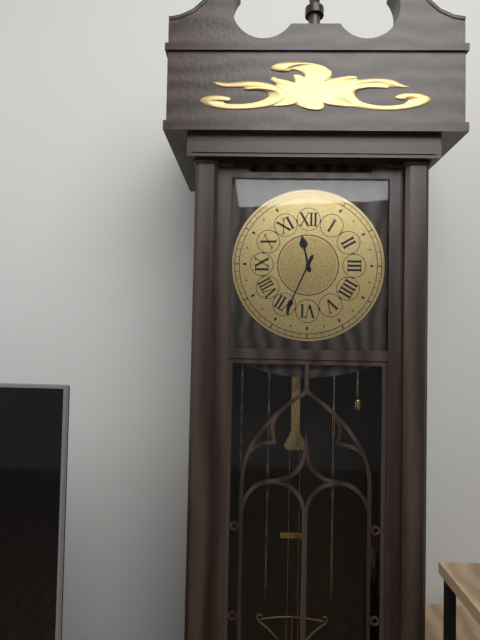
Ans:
h=11 m=34
